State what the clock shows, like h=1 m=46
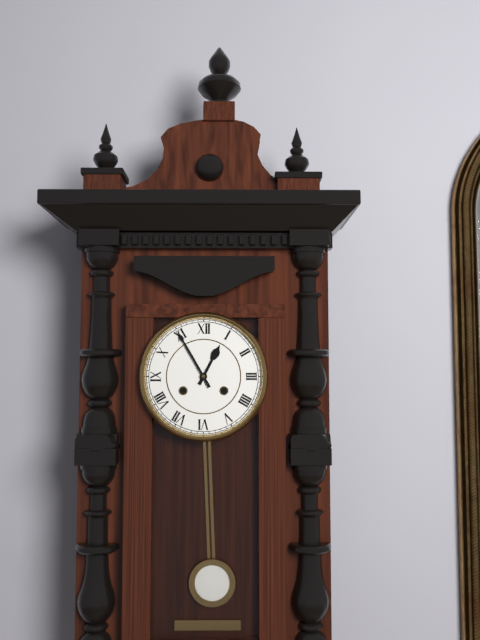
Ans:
h=12 m=55
